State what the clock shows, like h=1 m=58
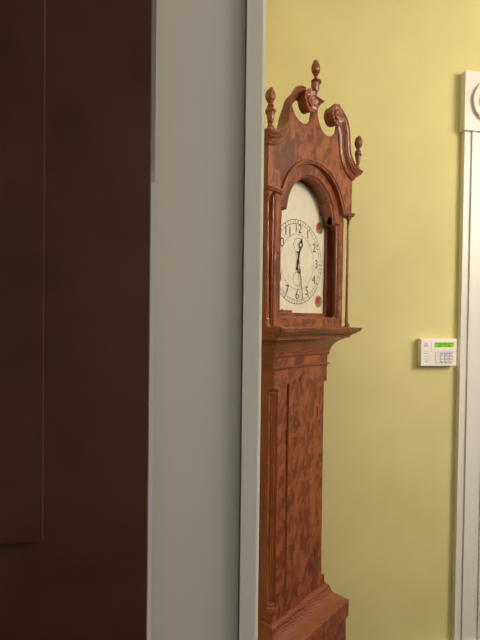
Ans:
h=12 m=28
